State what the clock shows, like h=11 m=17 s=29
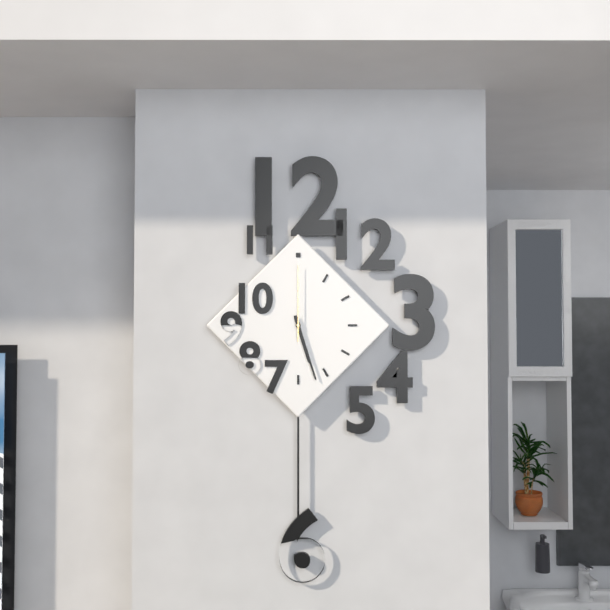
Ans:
h=5 m=27 s=0
